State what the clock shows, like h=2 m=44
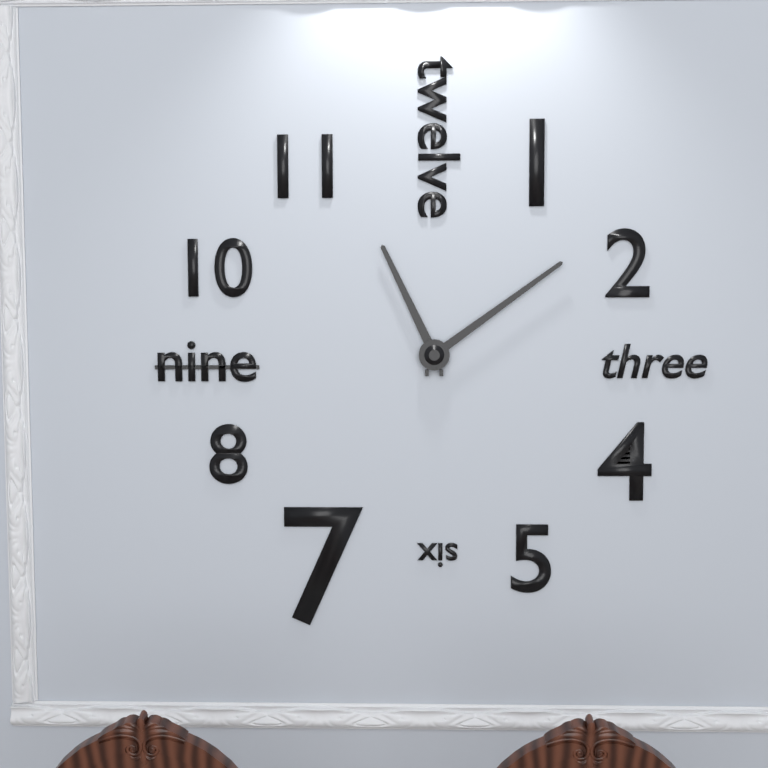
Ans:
h=11 m=9
